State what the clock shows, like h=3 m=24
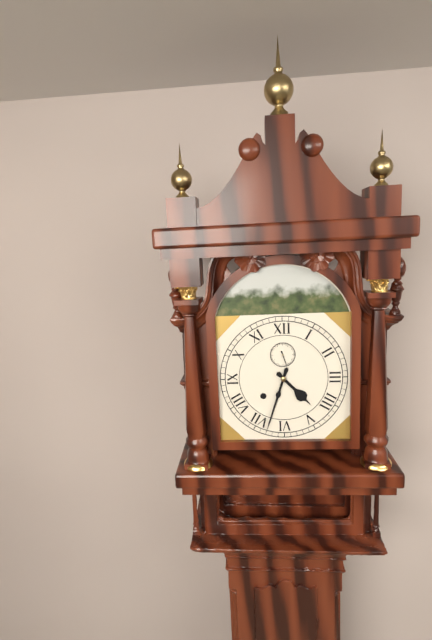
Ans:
h=4 m=33
